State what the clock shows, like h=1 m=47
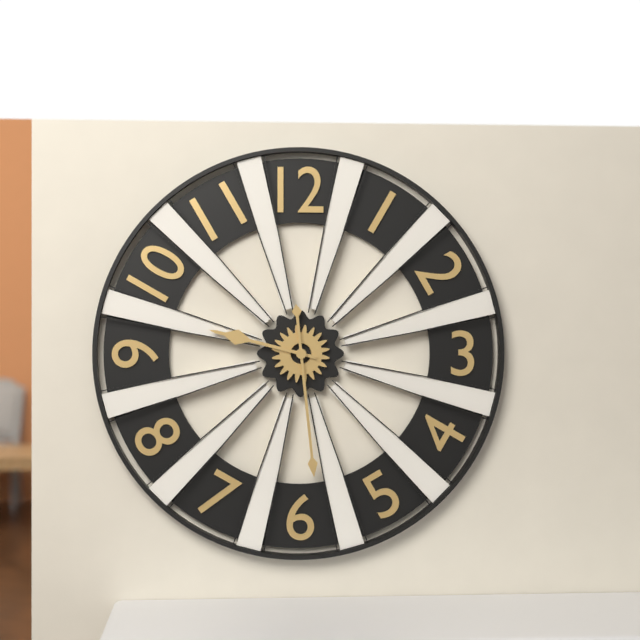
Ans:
h=9 m=29
